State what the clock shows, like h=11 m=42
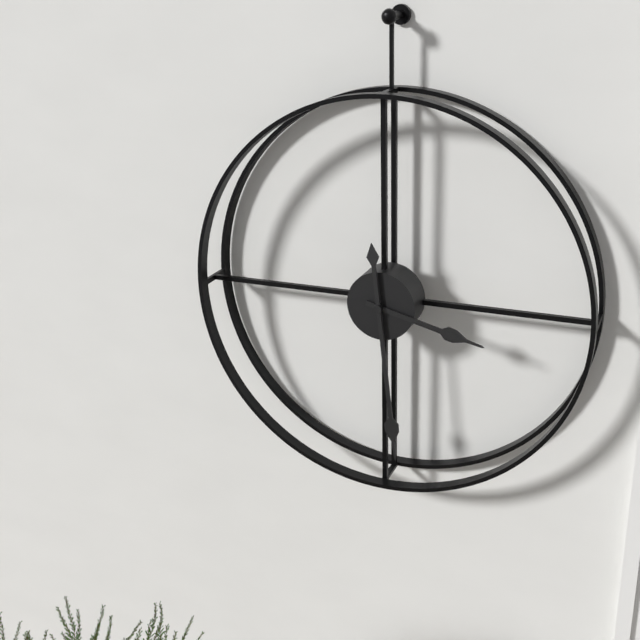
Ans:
h=3 m=29
